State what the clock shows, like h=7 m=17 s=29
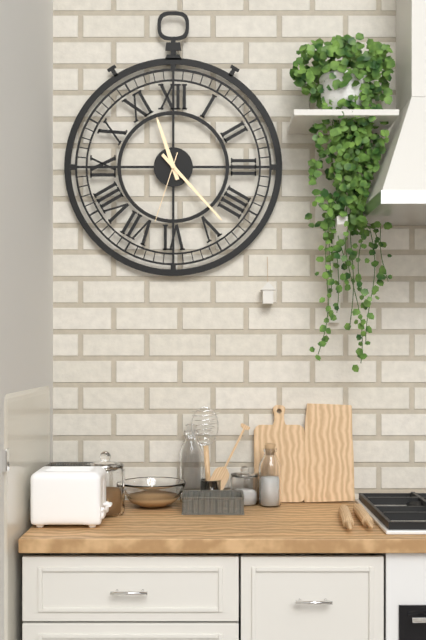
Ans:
h=11 m=23 s=33
